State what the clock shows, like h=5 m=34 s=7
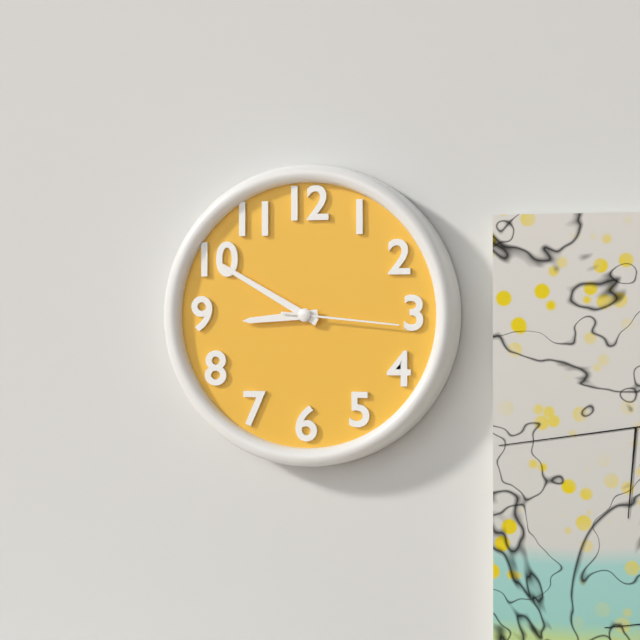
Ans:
h=8 m=50 s=16
